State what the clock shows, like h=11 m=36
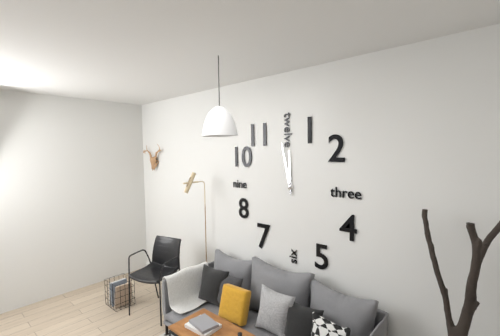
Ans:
h=11 m=58
